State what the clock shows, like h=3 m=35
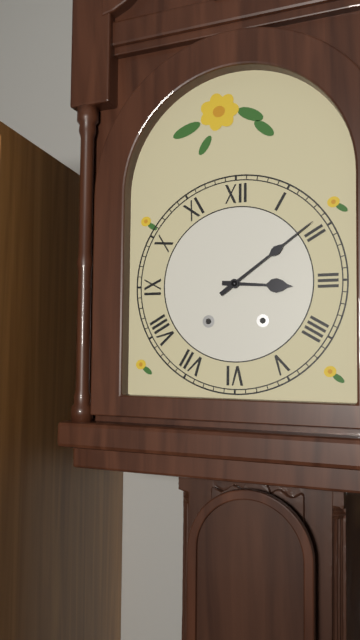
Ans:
h=3 m=9
